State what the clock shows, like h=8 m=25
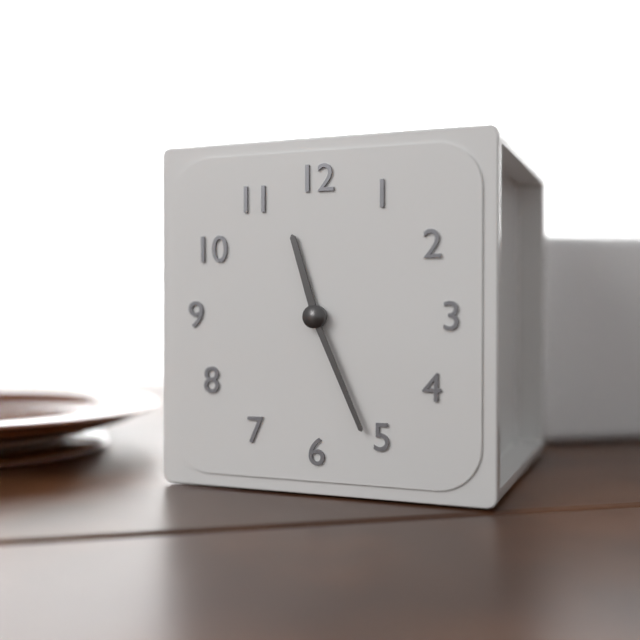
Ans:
h=11 m=26
